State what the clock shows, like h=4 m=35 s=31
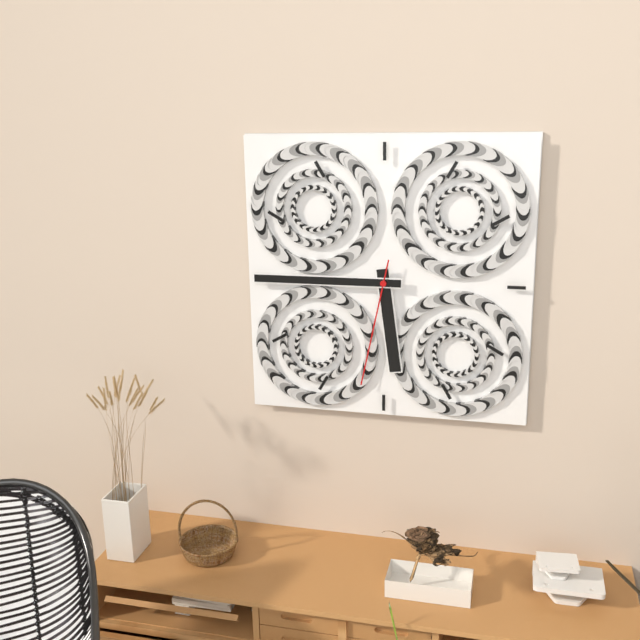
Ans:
h=5 m=45 s=32
